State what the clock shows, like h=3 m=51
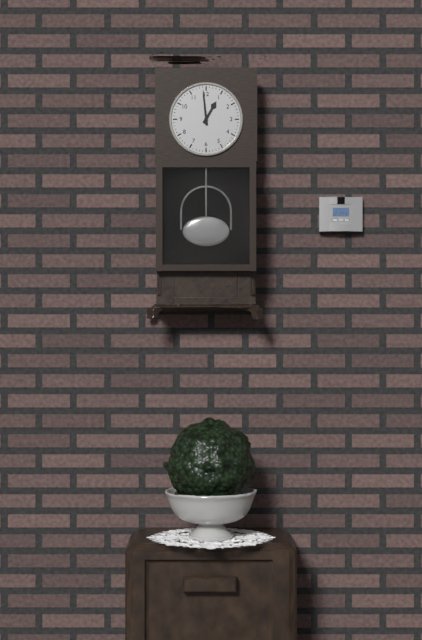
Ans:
h=12 m=59
